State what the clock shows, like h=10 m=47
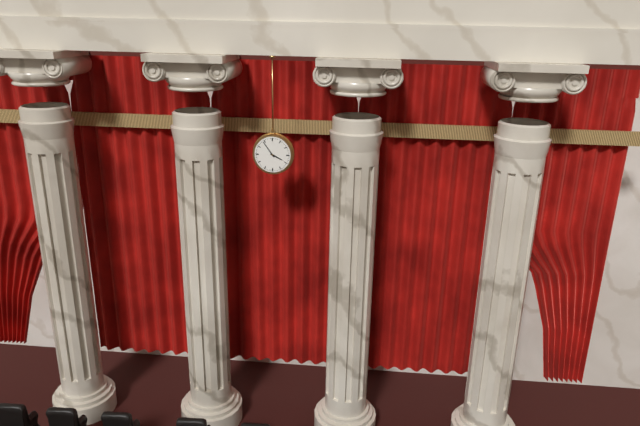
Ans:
h=3 m=54
